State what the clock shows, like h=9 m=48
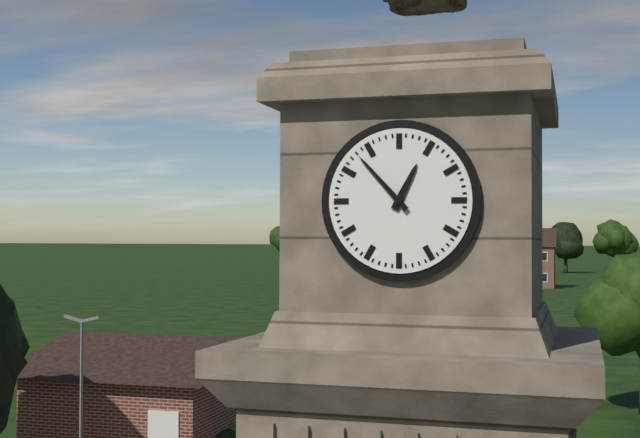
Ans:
h=12 m=53
